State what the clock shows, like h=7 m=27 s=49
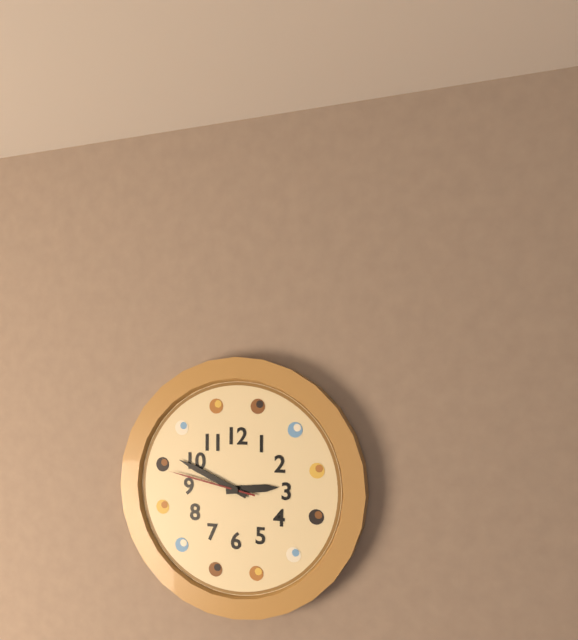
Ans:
h=2 m=49 s=47
